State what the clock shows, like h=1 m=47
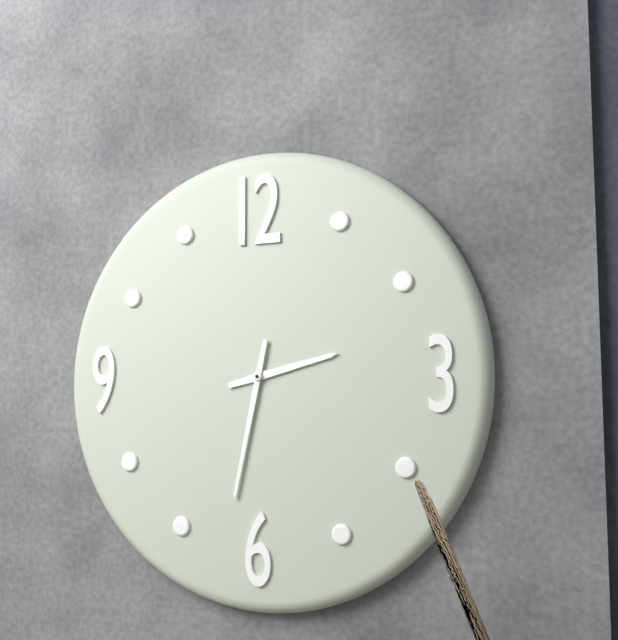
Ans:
h=2 m=32
